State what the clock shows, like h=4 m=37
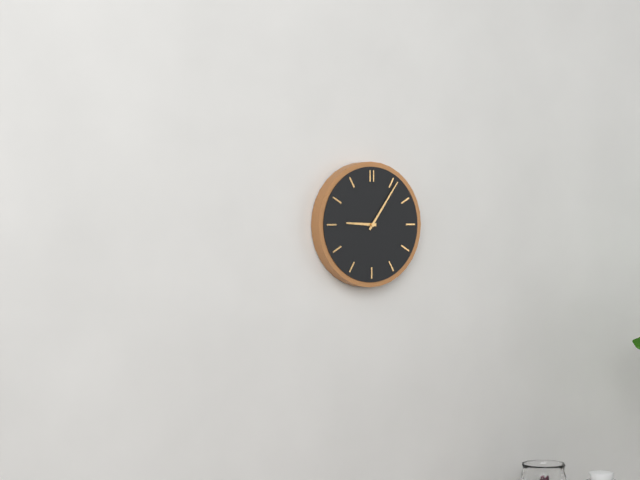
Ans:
h=9 m=6
